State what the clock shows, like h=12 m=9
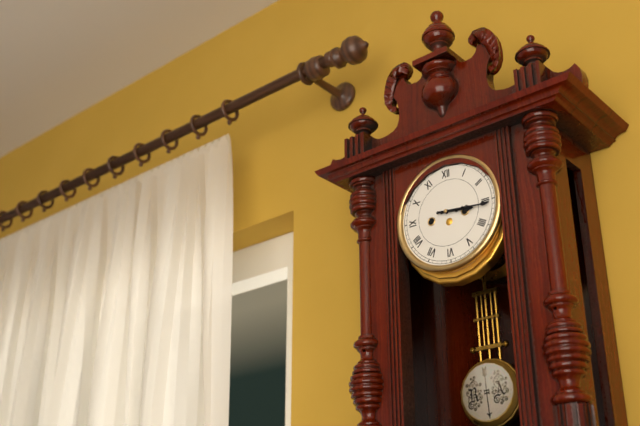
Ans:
h=3 m=16
